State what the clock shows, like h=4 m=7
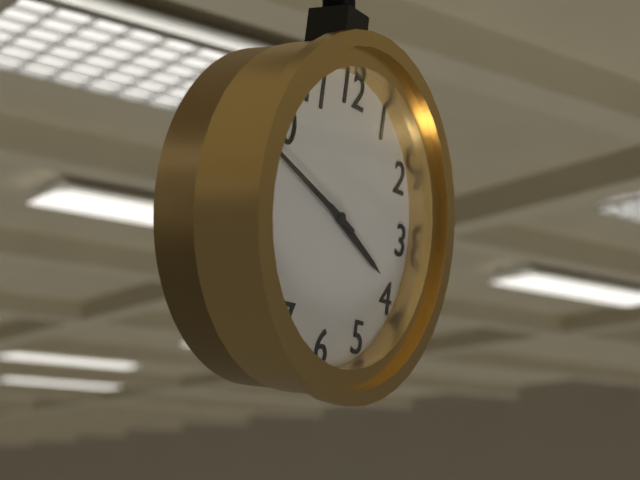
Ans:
h=3 m=48
